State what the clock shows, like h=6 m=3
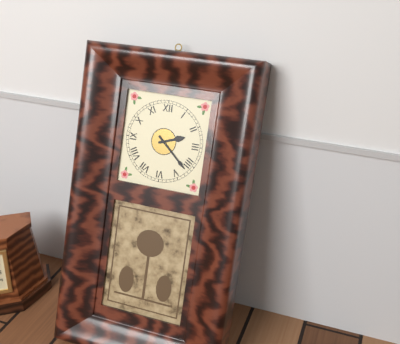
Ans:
h=2 m=22
